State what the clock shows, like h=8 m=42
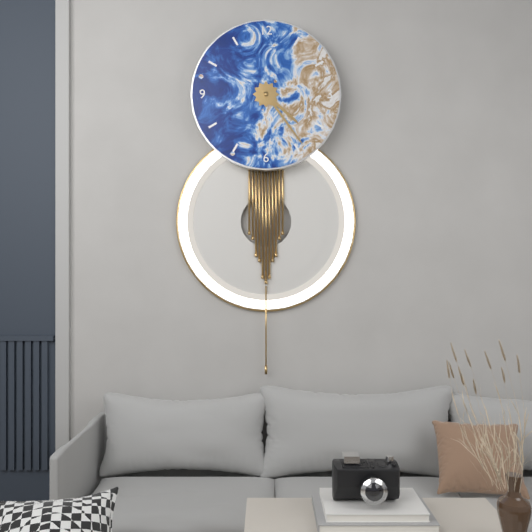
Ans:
h=4 m=24
